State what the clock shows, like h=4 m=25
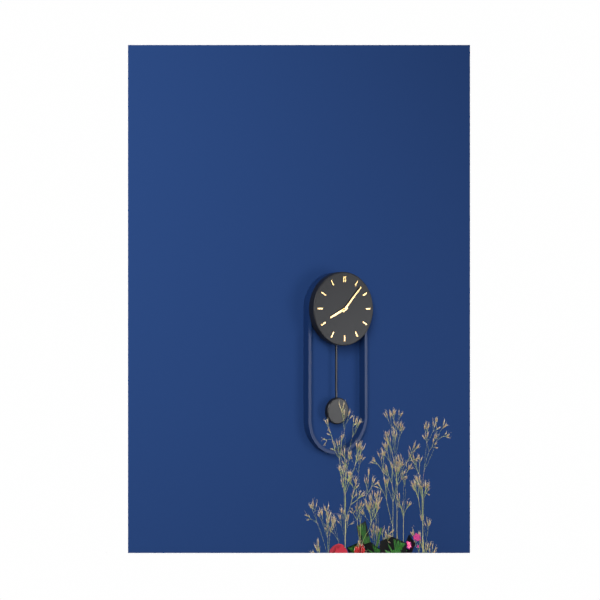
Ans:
h=8 m=7
